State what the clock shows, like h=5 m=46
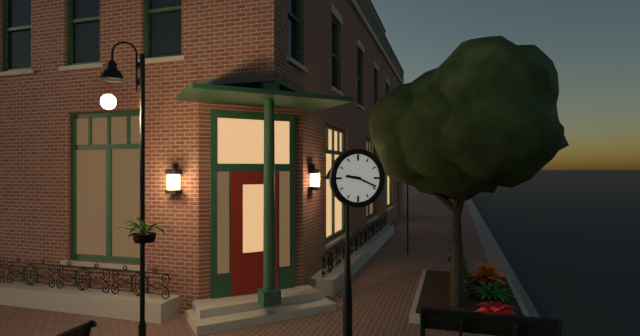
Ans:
h=9 m=19
